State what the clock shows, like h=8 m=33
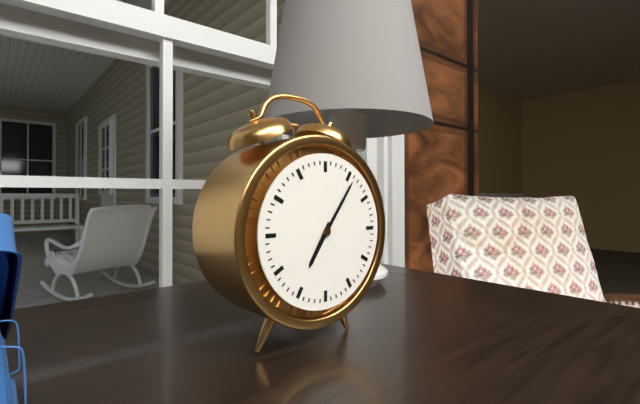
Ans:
h=7 m=6
